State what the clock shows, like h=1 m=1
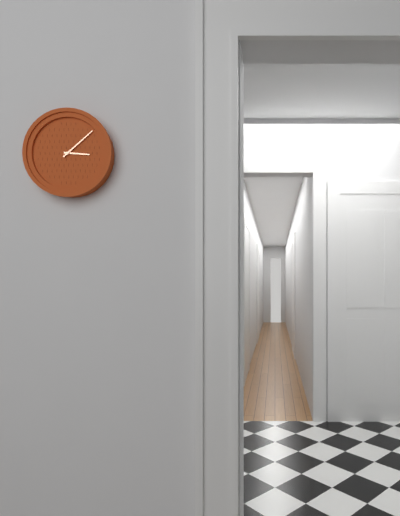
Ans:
h=3 m=8
